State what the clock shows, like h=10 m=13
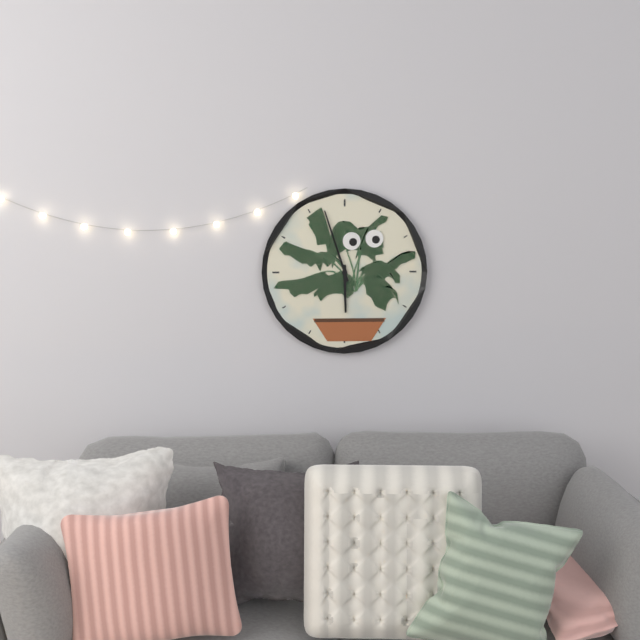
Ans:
h=5 m=57
